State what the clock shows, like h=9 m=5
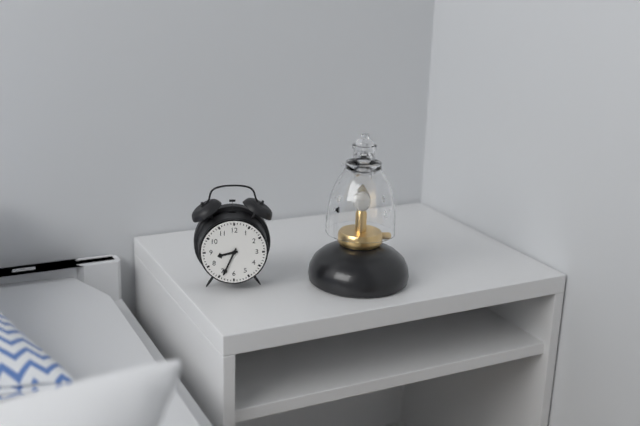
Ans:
h=8 m=34
